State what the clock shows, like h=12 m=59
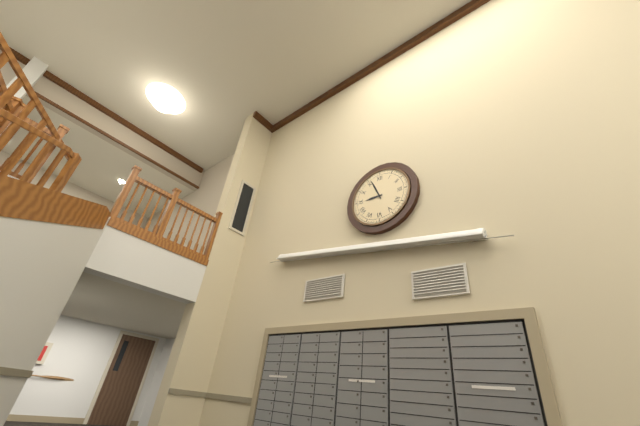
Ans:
h=8 m=56
